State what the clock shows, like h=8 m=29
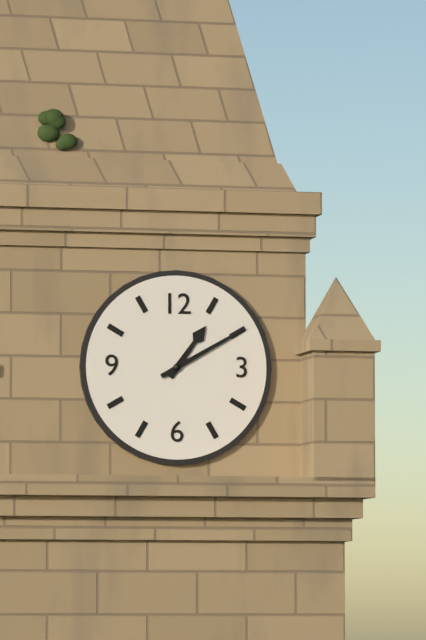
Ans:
h=1 m=10
